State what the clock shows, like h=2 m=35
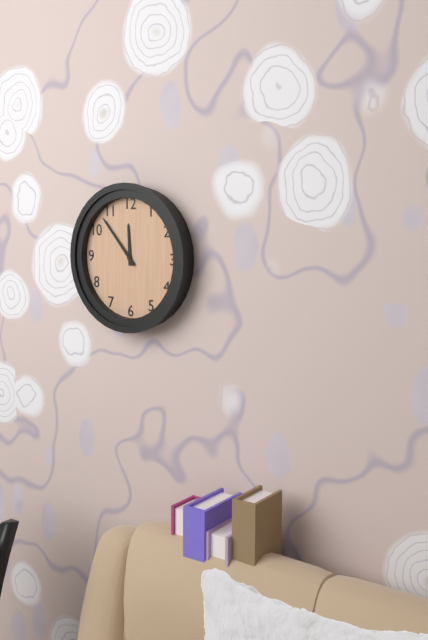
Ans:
h=11 m=53
